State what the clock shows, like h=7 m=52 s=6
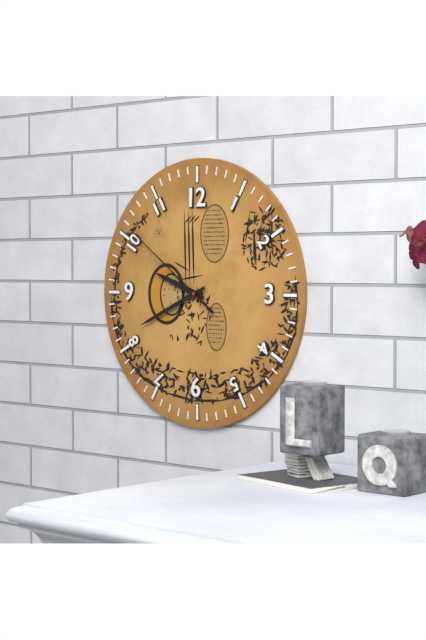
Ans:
h=9 m=41 s=51
